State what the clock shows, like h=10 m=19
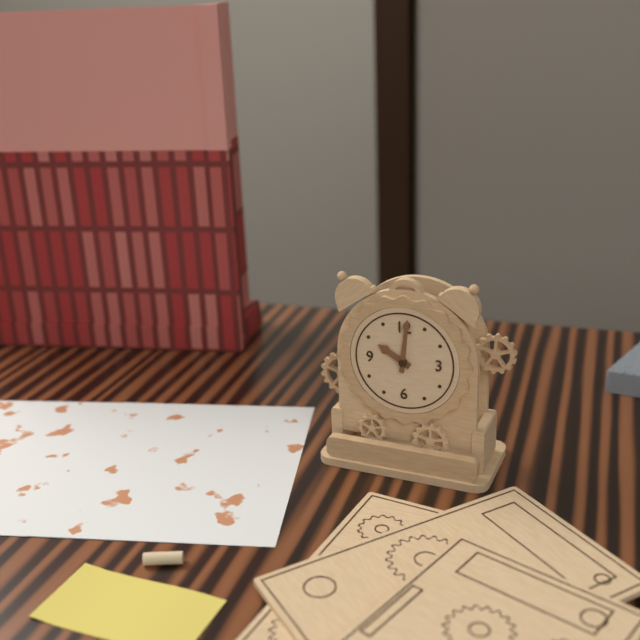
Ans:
h=10 m=1
